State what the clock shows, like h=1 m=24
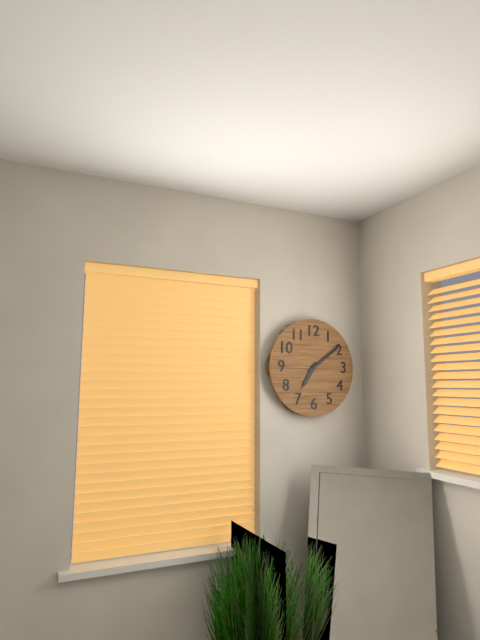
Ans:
h=7 m=9
